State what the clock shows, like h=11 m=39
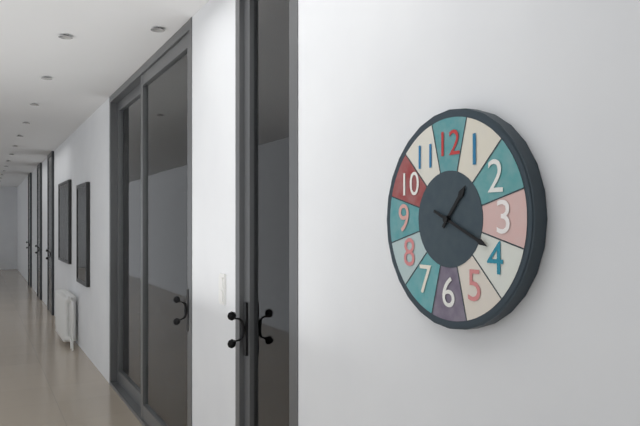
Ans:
h=1 m=19
